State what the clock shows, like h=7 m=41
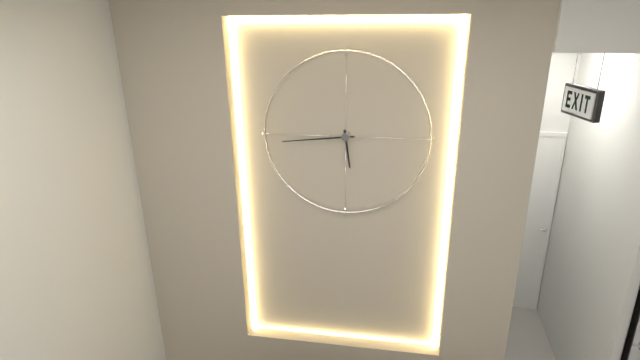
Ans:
h=5 m=44
